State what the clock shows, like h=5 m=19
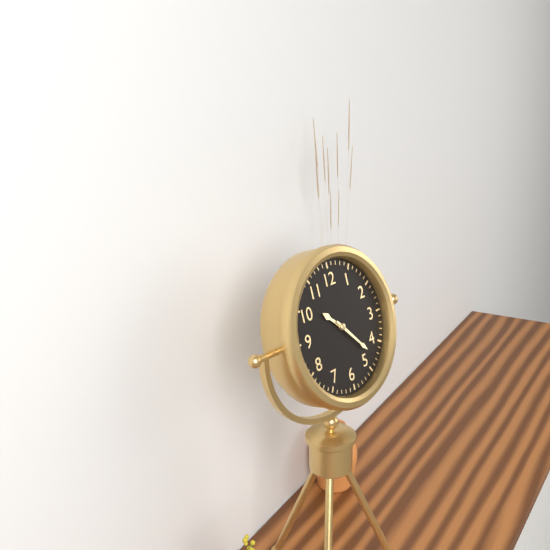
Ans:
h=10 m=23
